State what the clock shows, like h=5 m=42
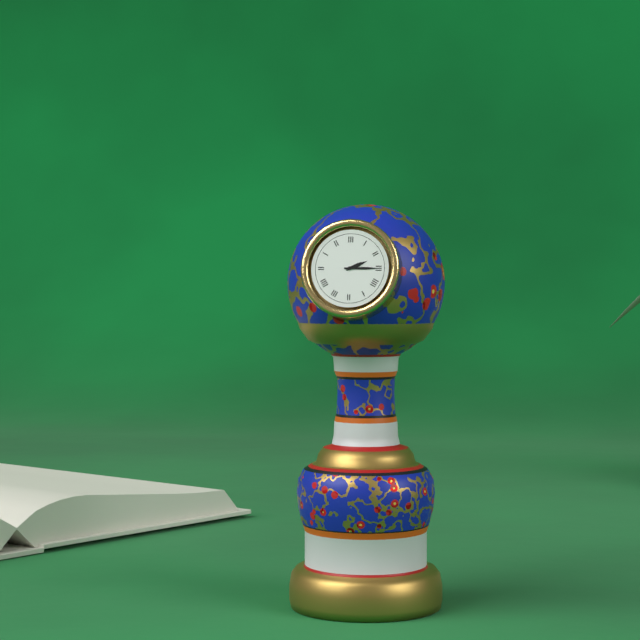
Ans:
h=2 m=15
